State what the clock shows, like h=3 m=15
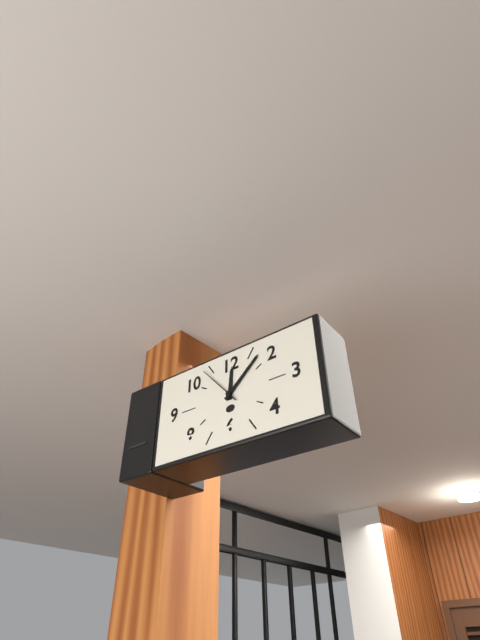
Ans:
h=12 m=8
